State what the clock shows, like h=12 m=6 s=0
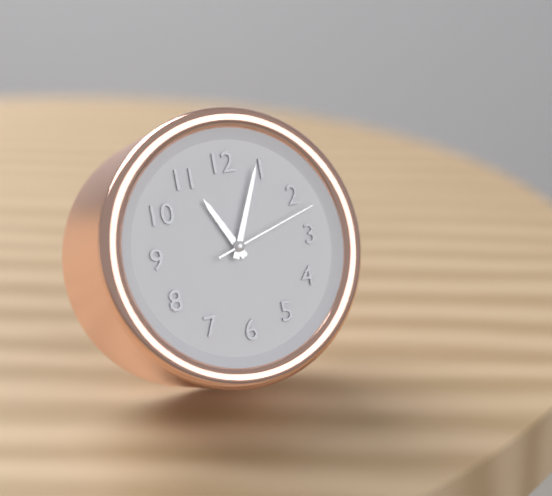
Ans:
h=11 m=4 s=12
